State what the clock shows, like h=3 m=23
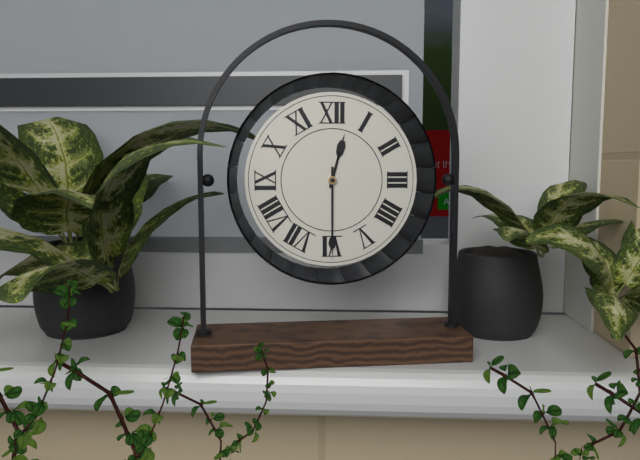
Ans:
h=12 m=30
